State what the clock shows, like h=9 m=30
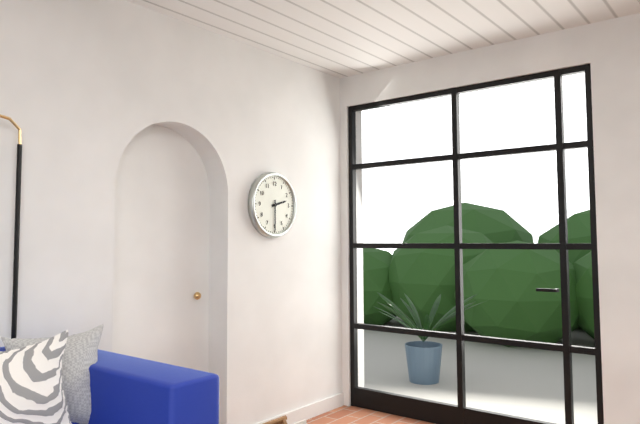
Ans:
h=2 m=30
